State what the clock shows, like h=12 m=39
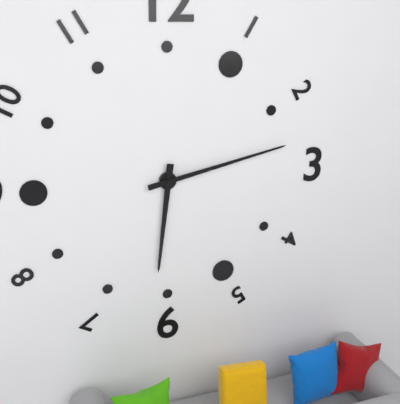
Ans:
h=6 m=13
